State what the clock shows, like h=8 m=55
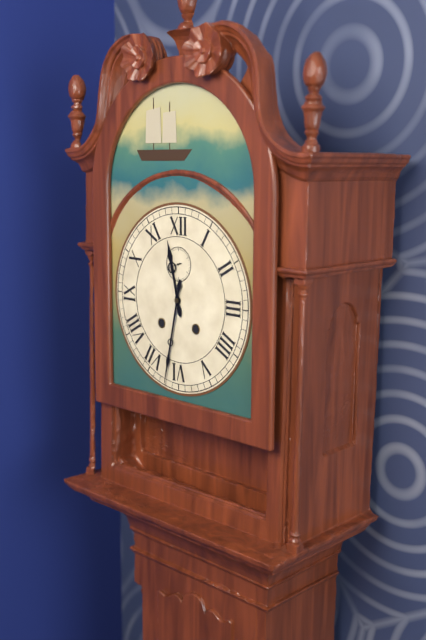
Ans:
h=11 m=32
